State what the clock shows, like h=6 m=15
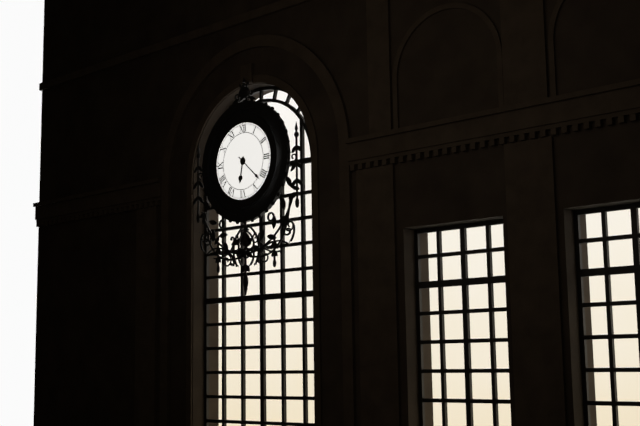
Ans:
h=6 m=22
